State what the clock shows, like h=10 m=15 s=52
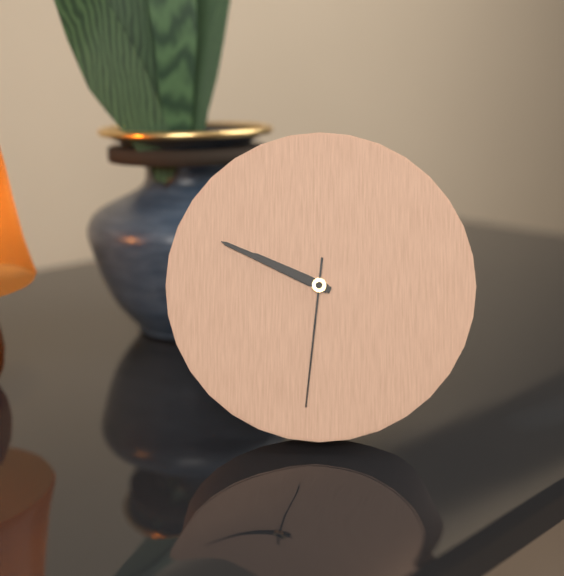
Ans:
h=9 m=49 s=31
